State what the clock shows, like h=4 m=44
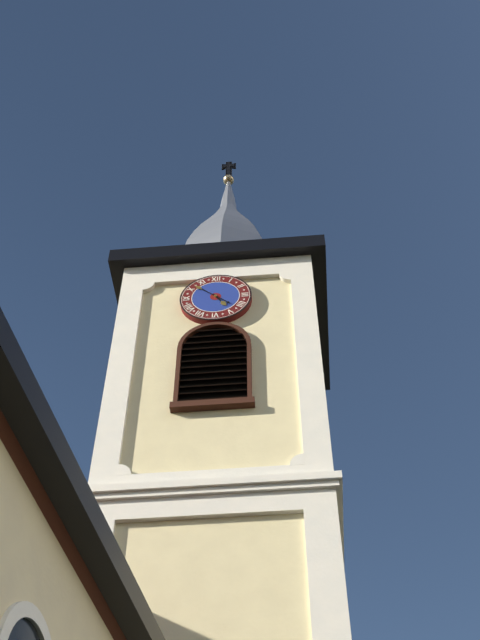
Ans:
h=4 m=52
